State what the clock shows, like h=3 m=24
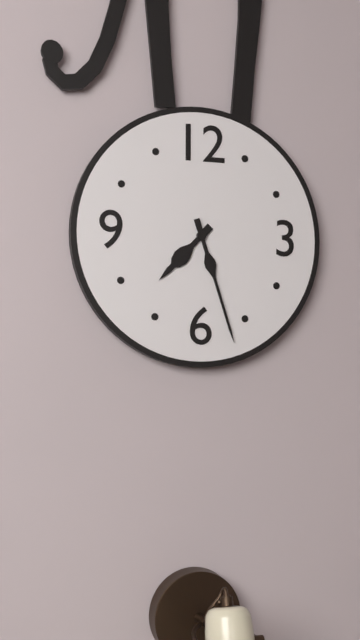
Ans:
h=7 m=27
